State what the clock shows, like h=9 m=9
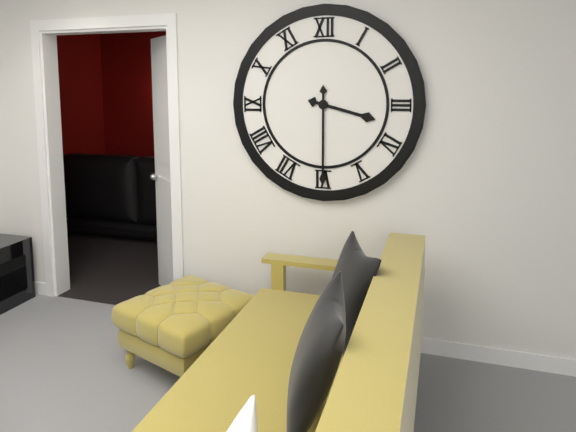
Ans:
h=3 m=30
